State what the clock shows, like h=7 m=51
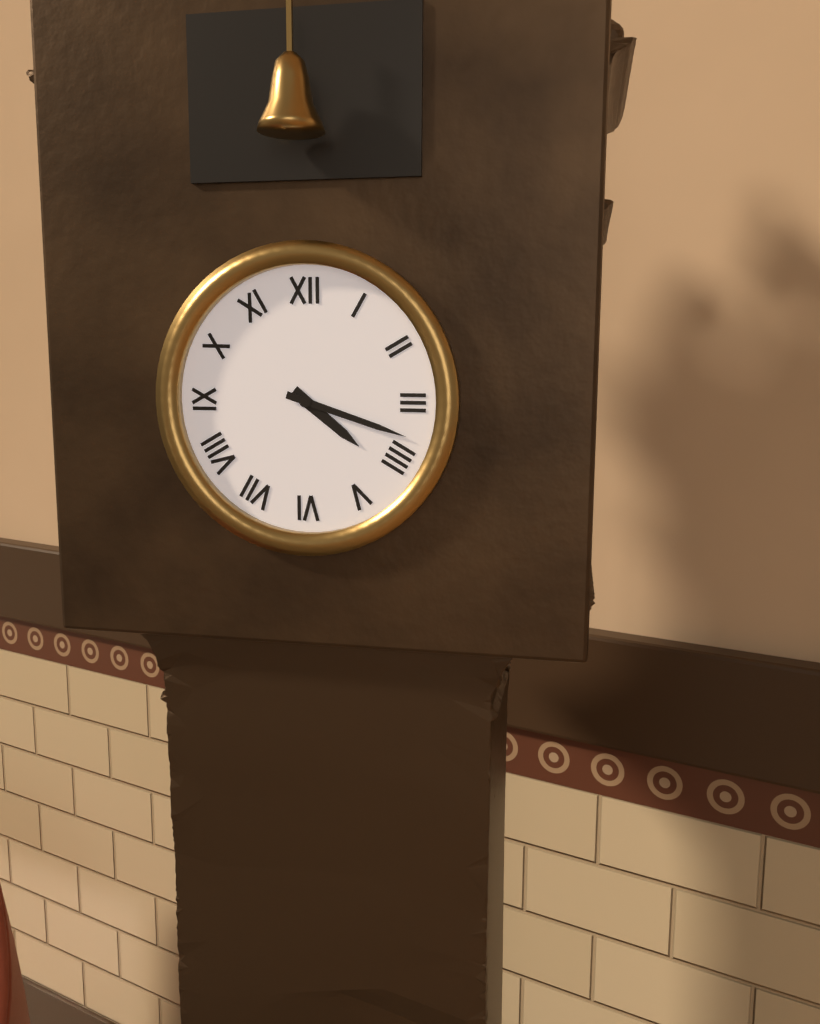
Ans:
h=4 m=18
